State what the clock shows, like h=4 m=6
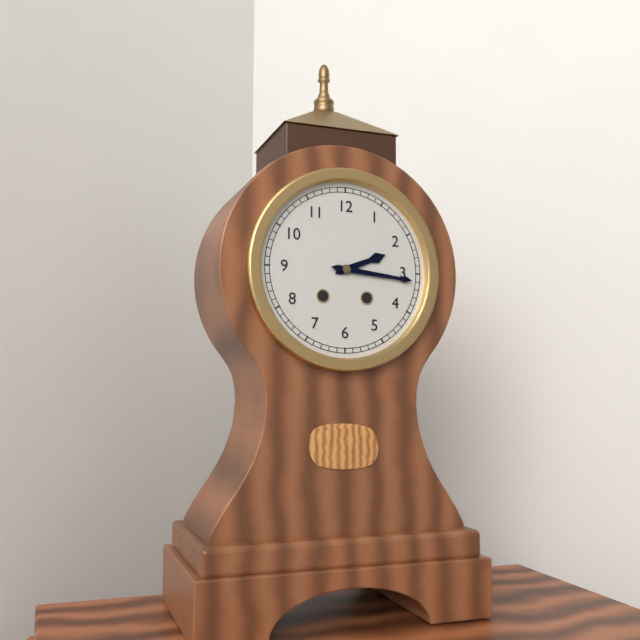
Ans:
h=2 m=16
